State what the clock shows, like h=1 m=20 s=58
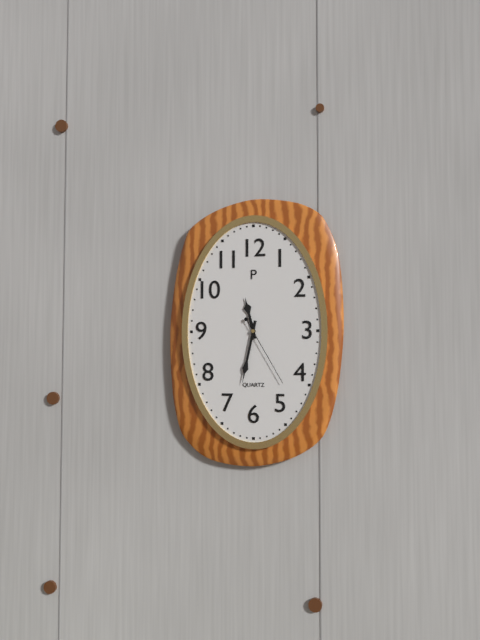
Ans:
h=11 m=32 s=25
